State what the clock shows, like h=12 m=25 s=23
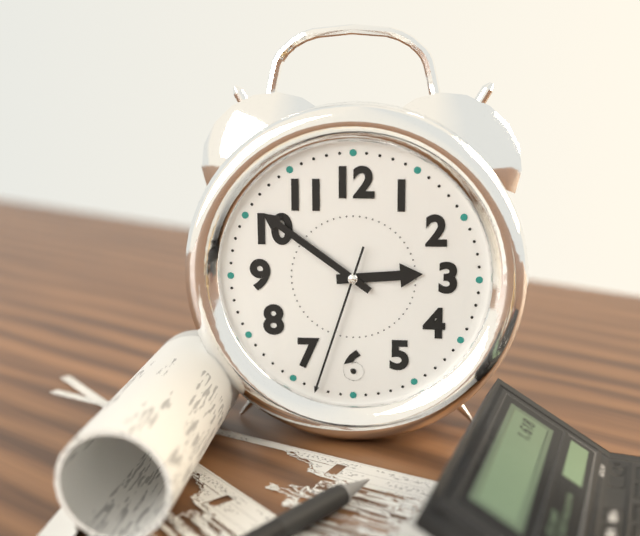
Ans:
h=2 m=51 s=33
